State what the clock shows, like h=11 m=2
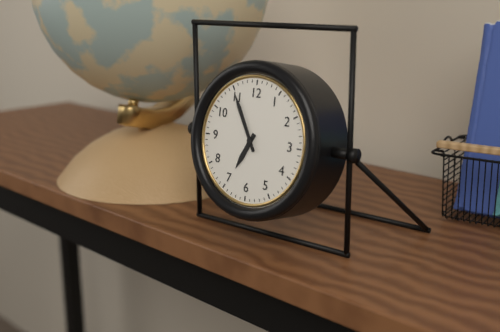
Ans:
h=6 m=55
